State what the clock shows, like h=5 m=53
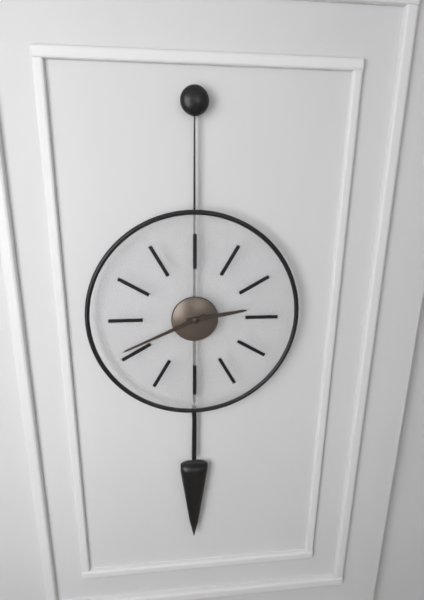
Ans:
h=2 m=41
